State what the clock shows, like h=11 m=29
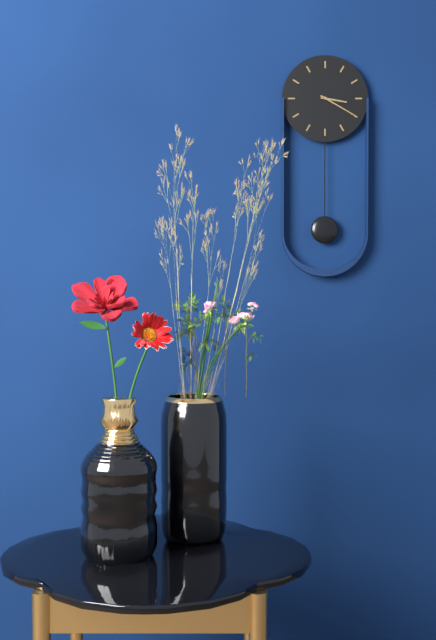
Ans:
h=3 m=20
